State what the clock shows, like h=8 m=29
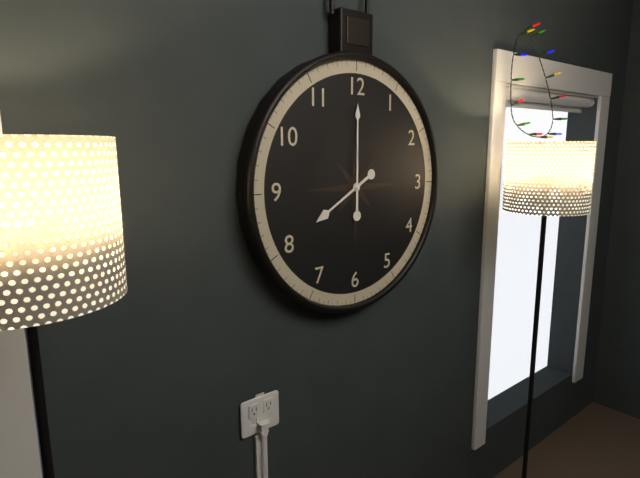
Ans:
h=8 m=0
